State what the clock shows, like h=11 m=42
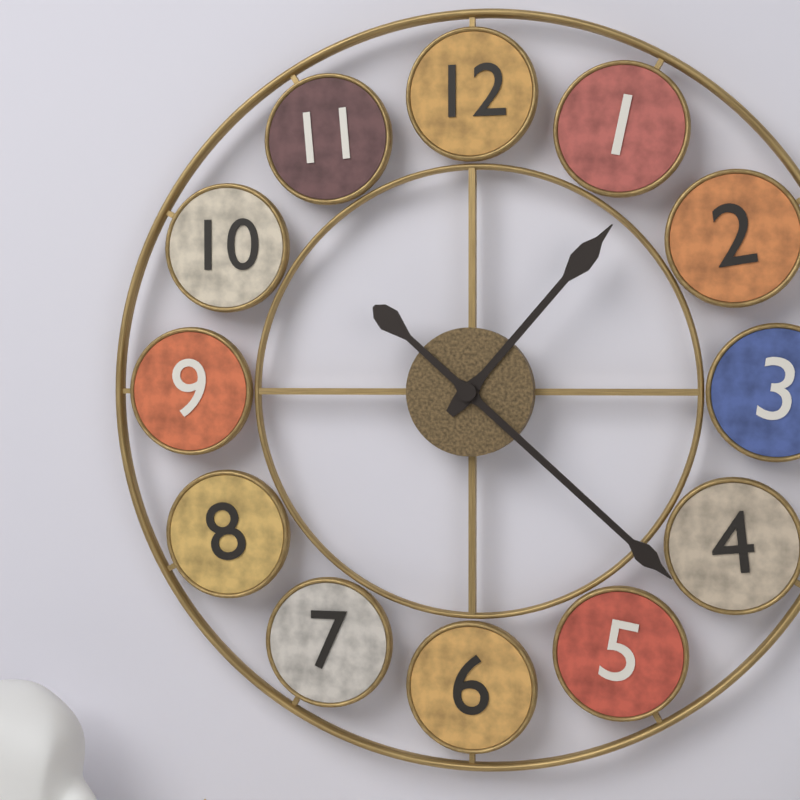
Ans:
h=1 m=22
